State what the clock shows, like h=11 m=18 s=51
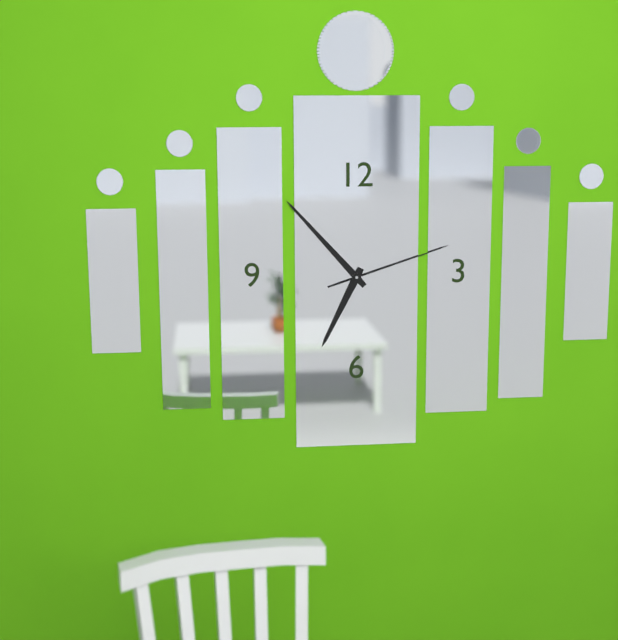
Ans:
h=6 m=53 s=12
